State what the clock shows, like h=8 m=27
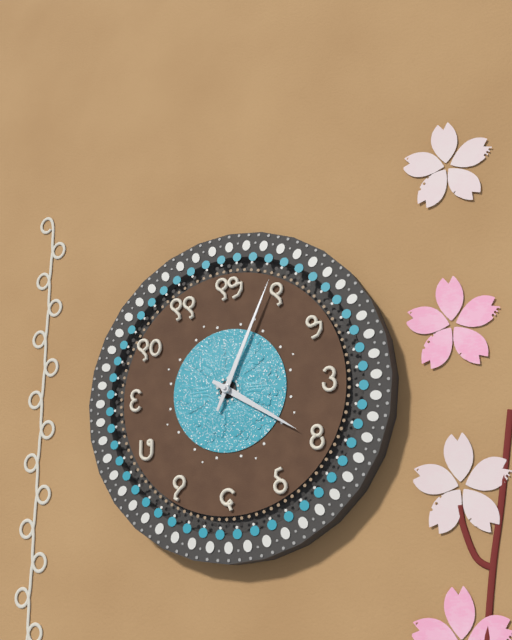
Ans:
h=4 m=4
